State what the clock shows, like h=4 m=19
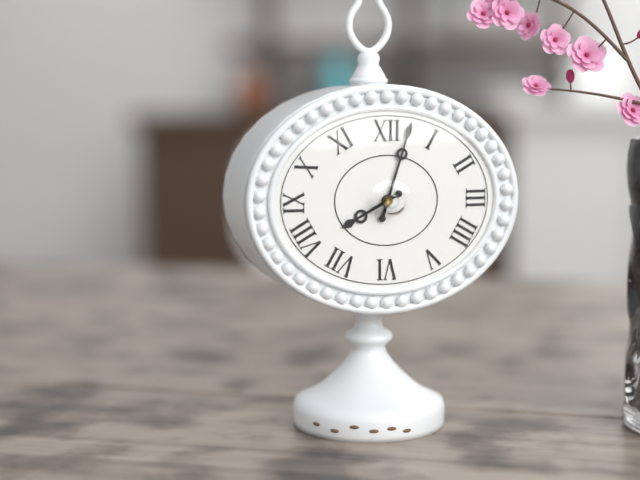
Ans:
h=8 m=3
